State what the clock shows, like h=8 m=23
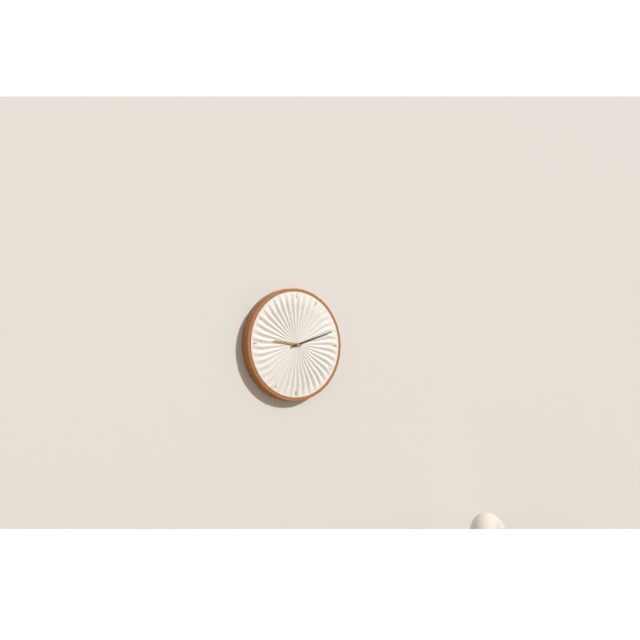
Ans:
h=9 m=12
